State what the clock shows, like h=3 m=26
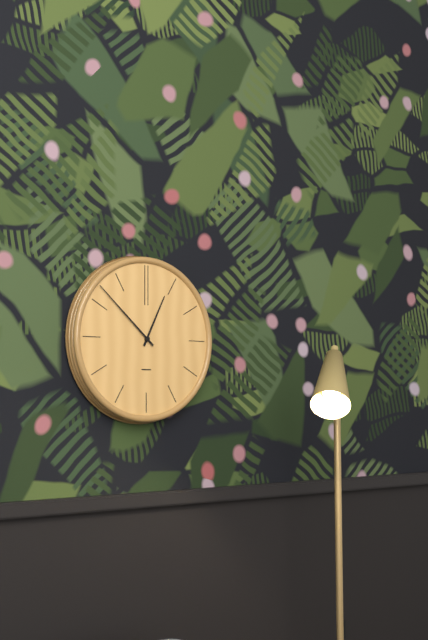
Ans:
h=12 m=52
